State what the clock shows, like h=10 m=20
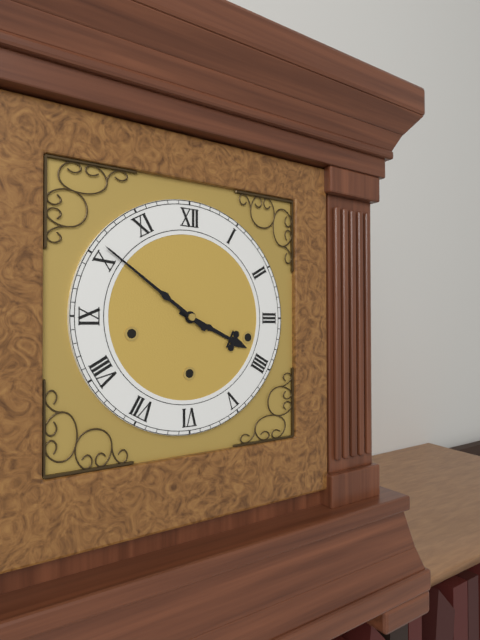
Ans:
h=3 m=51
